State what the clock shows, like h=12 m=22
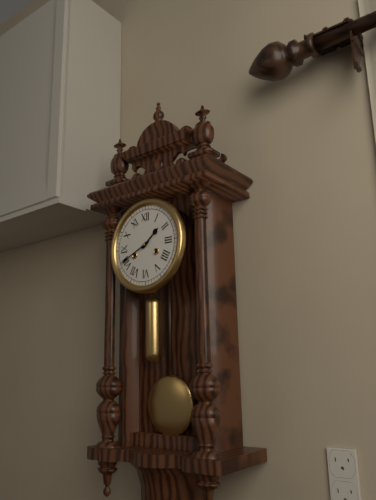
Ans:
h=1 m=41
